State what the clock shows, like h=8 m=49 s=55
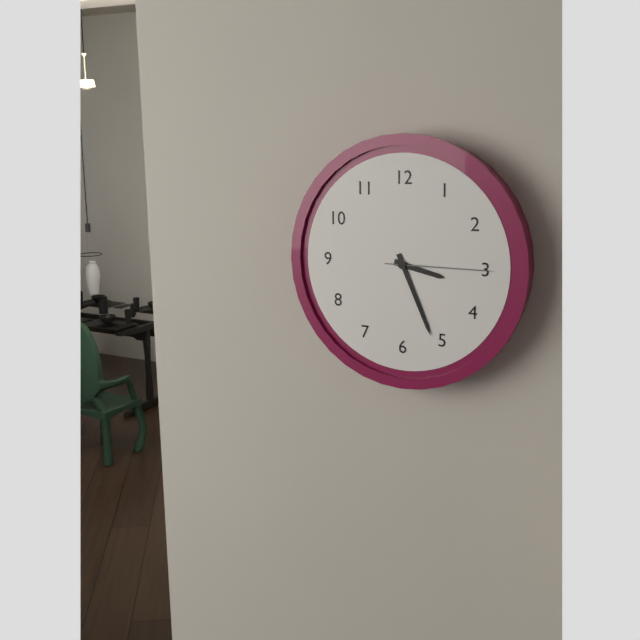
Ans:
h=3 m=26 s=15
